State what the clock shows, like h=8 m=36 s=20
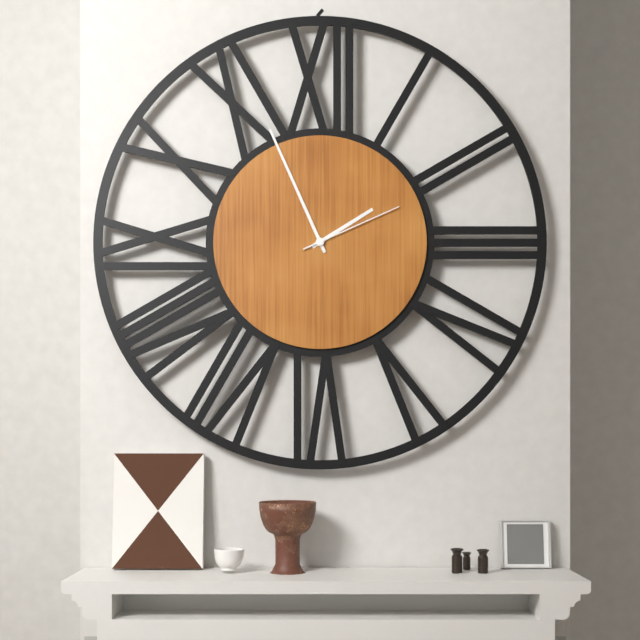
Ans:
h=1 m=56 s=11
